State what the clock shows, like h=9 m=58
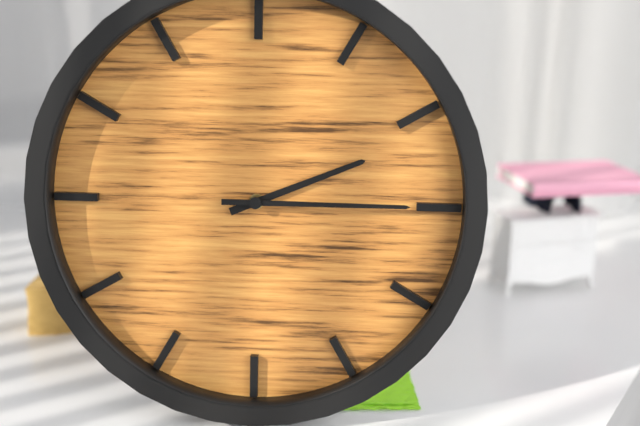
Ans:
h=2 m=15
